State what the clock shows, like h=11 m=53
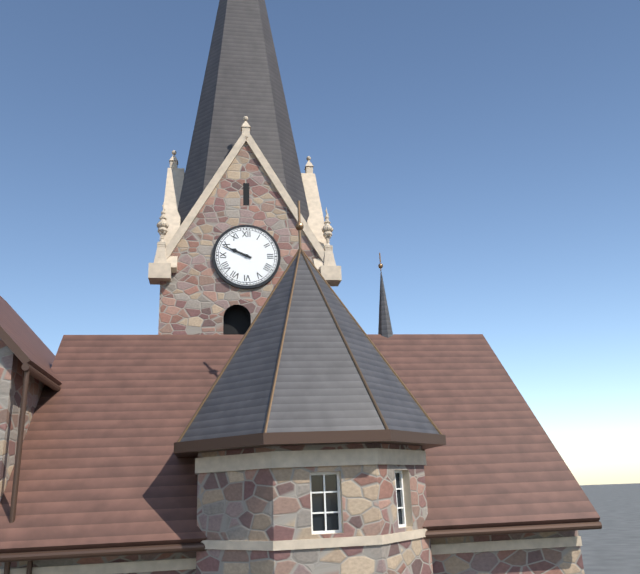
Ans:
h=9 m=49
